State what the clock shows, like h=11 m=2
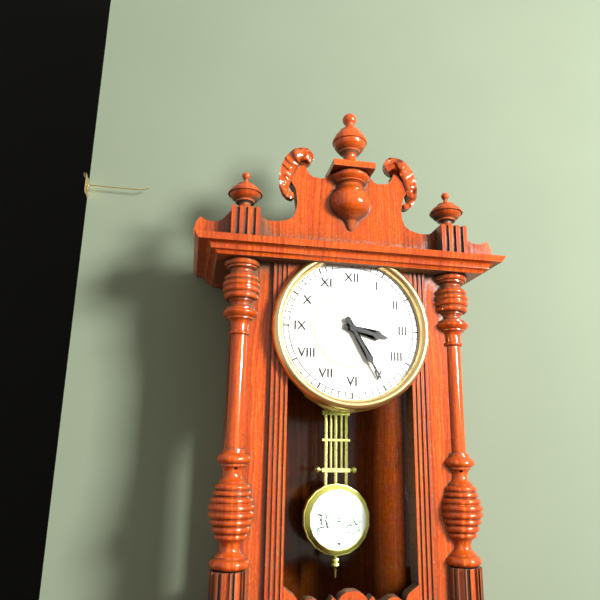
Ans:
h=3 m=25
